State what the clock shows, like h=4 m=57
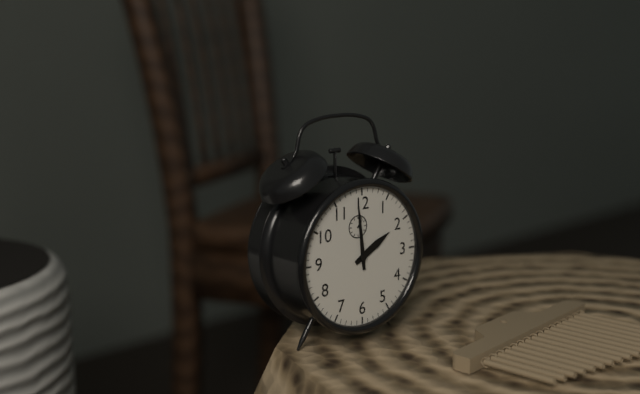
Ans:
h=1 m=59
